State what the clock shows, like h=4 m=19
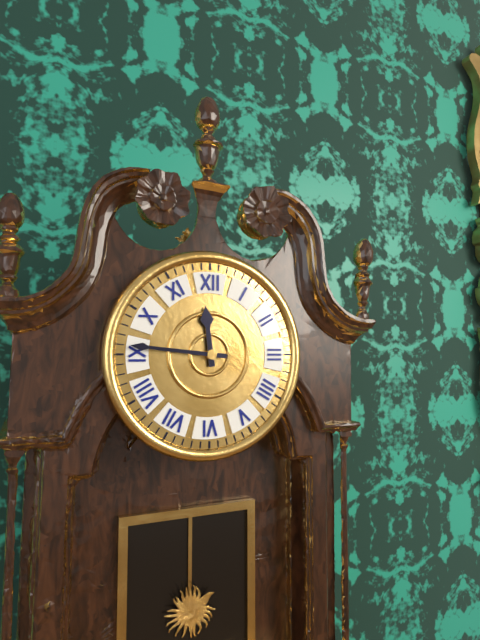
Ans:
h=11 m=46
